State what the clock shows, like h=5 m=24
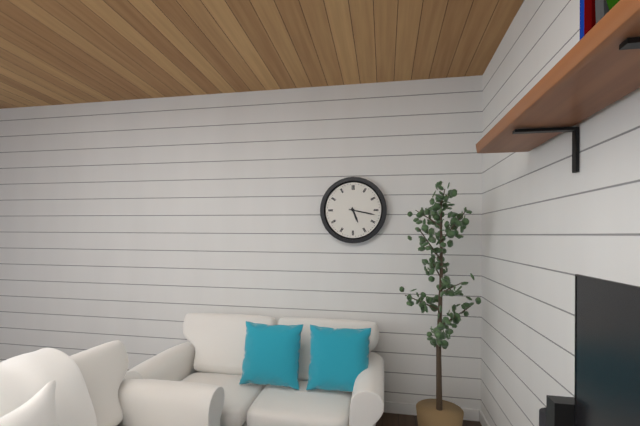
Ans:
h=5 m=17
